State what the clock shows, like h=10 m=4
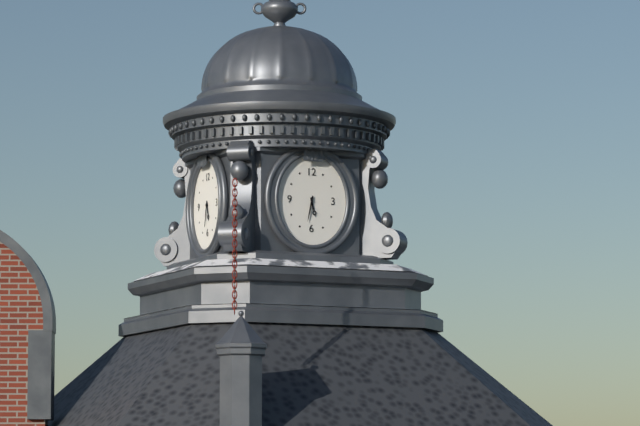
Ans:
h=5 m=32
